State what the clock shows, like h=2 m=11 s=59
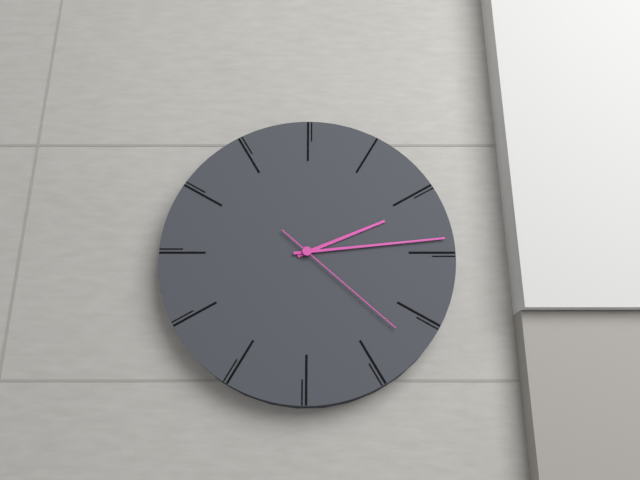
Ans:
h=2 m=14 s=22
